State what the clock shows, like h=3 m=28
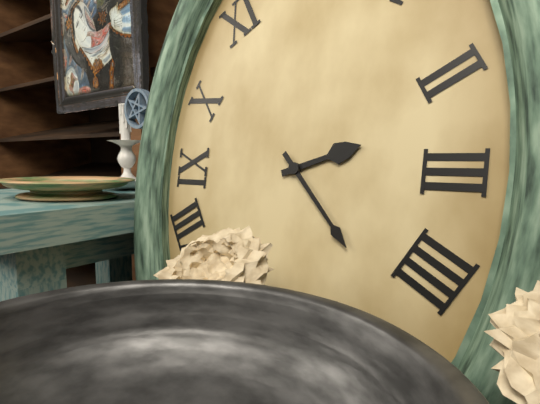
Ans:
h=2 m=23
